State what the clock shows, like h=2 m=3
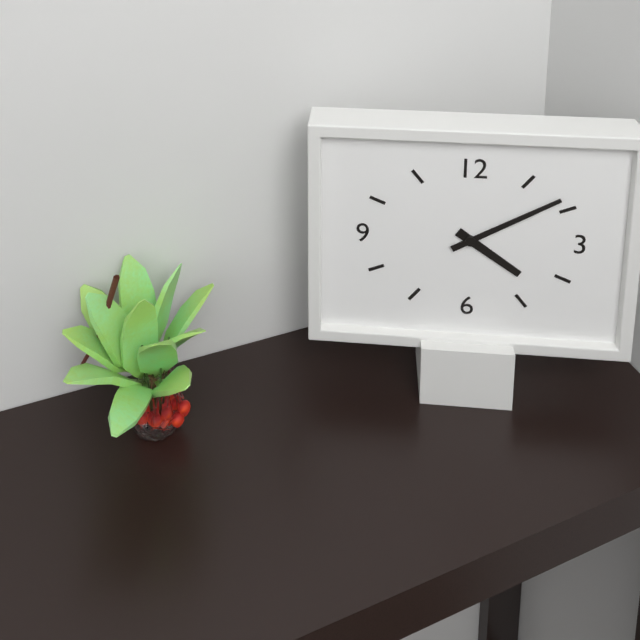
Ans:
h=4 m=10
